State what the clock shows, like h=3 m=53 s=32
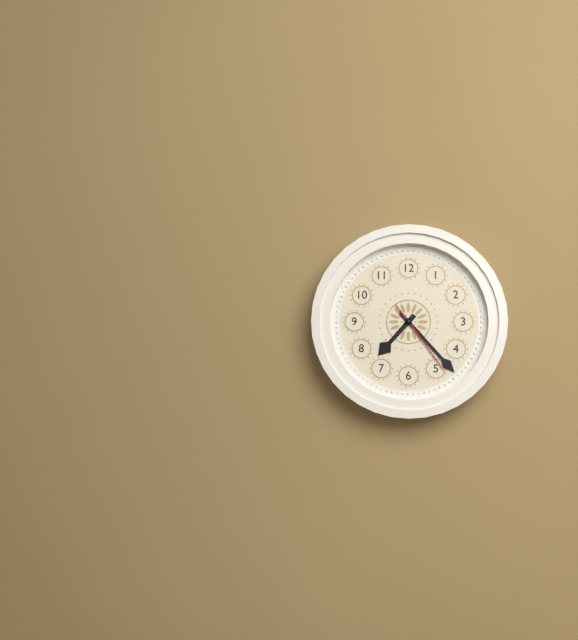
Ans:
h=7 m=23 s=24
